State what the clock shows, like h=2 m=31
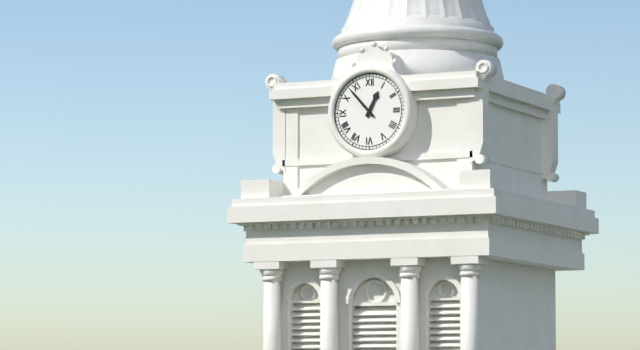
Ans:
h=12 m=53
